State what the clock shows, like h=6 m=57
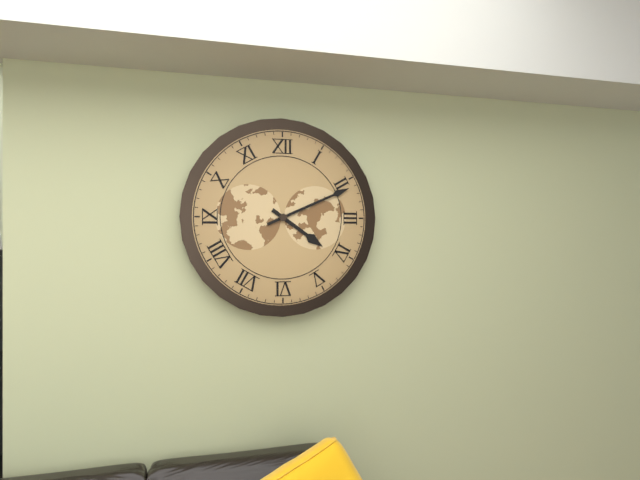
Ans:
h=4 m=11
